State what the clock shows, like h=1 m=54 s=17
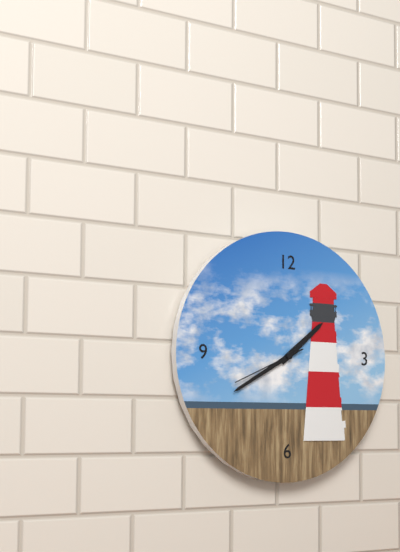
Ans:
h=1 m=40 s=41
